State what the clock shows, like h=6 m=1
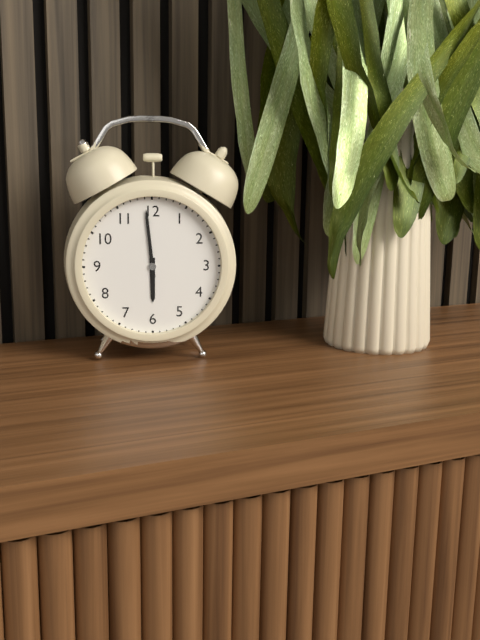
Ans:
h=5 m=59
